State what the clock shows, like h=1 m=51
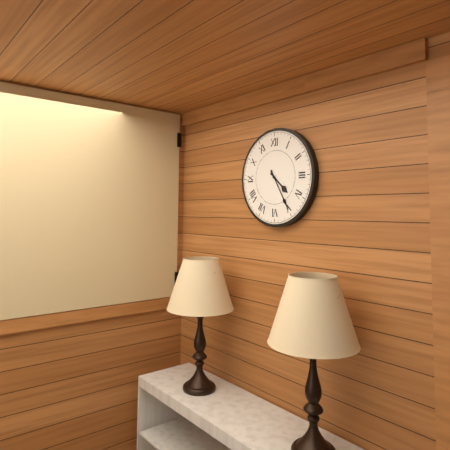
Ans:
h=4 m=25
